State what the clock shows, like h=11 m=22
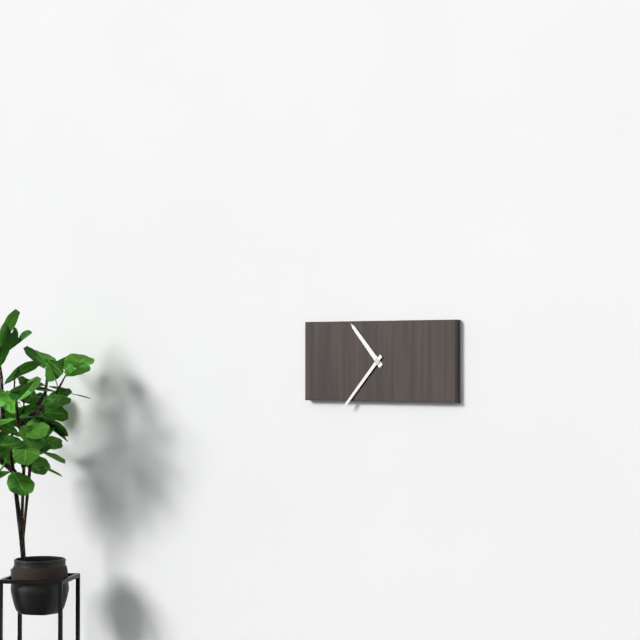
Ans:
h=10 m=37
